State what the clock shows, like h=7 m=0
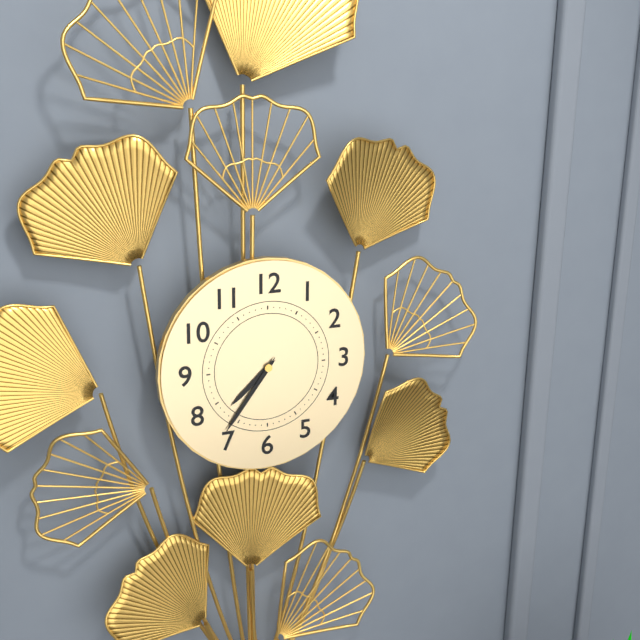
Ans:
h=7 m=36
